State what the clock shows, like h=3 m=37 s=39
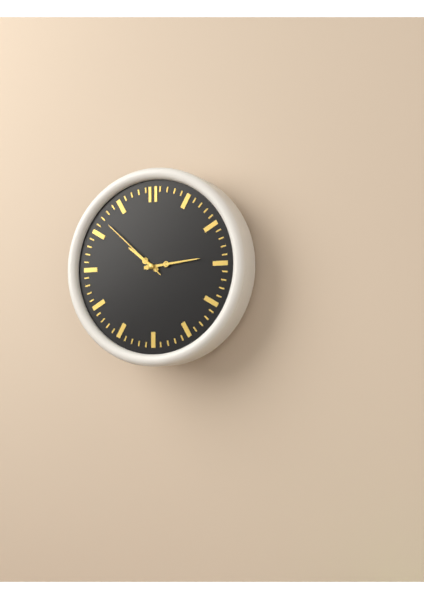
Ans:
h=10 m=14 s=52
